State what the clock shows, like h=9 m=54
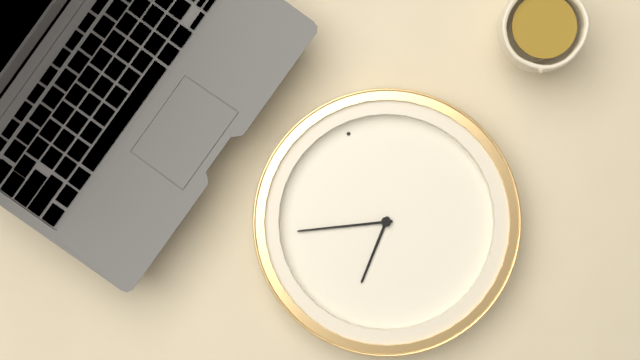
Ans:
h=6 m=44
